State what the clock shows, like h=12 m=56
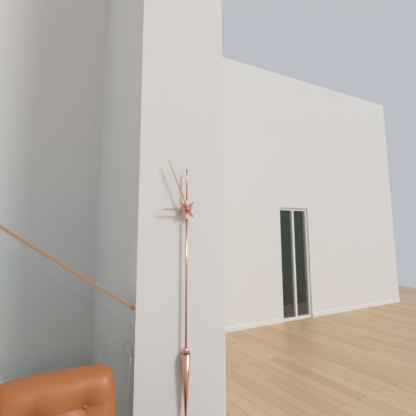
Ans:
h=8 m=56
